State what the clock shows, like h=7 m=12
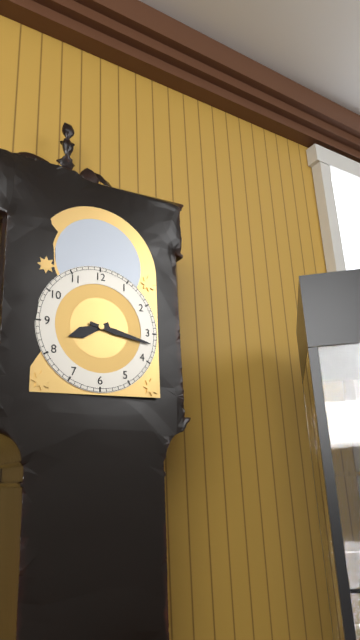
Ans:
h=8 m=17
